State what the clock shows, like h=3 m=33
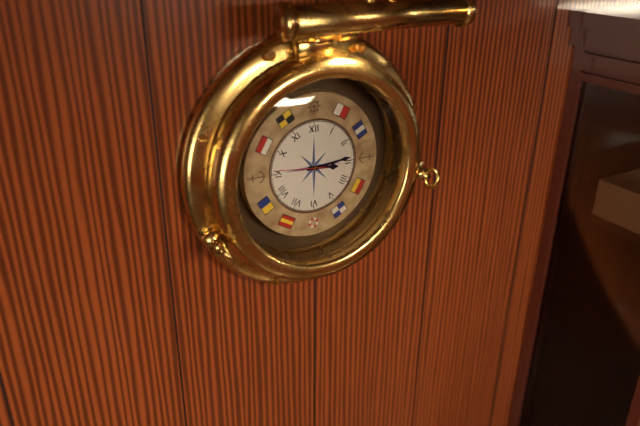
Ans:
h=3 m=14
